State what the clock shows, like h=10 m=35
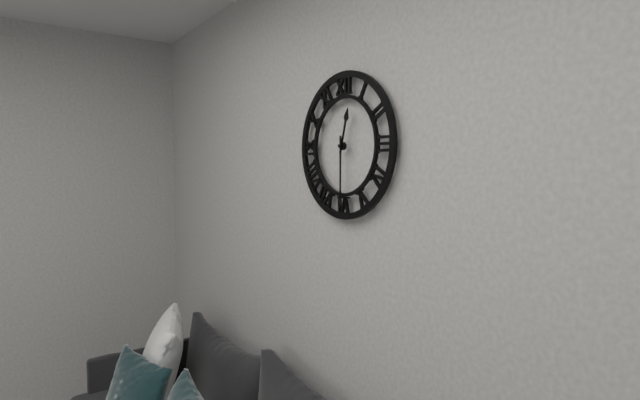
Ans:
h=12 m=30
